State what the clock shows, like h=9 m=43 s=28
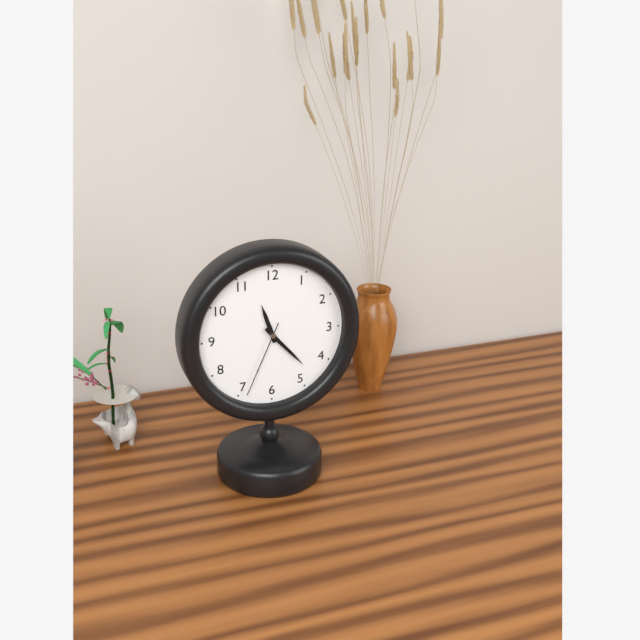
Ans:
h=11 m=23 s=34
